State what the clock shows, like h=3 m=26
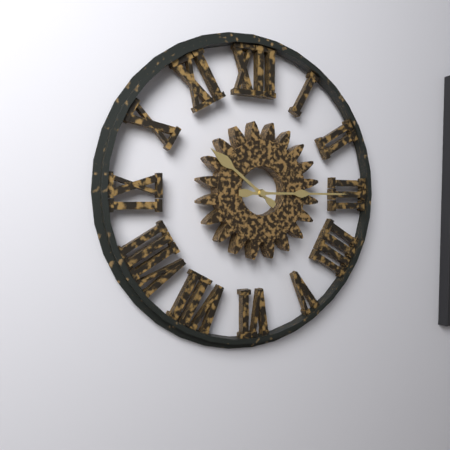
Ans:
h=10 m=15
